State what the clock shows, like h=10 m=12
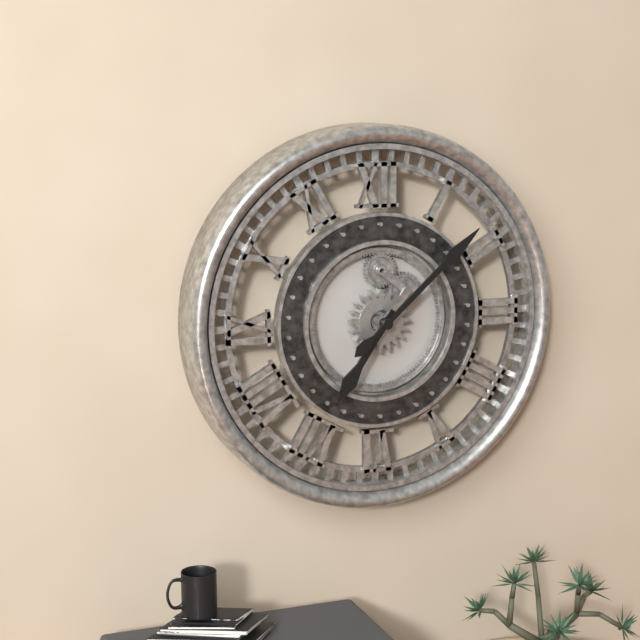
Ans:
h=7 m=8
